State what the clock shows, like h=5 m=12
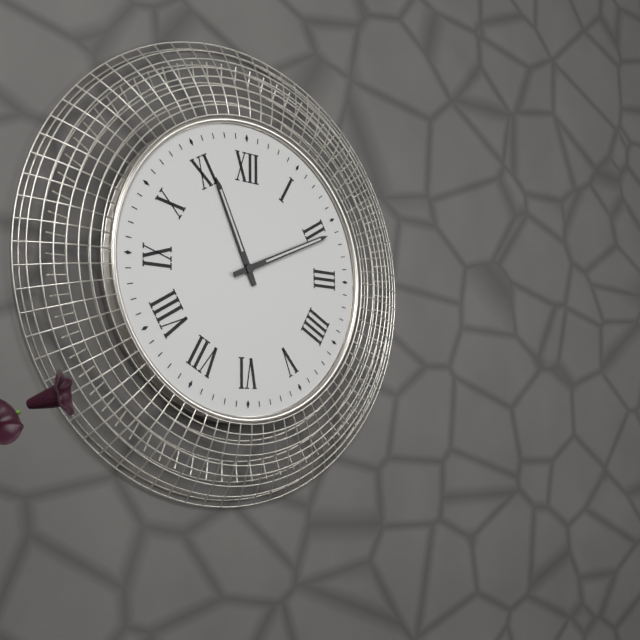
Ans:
h=11 m=11
